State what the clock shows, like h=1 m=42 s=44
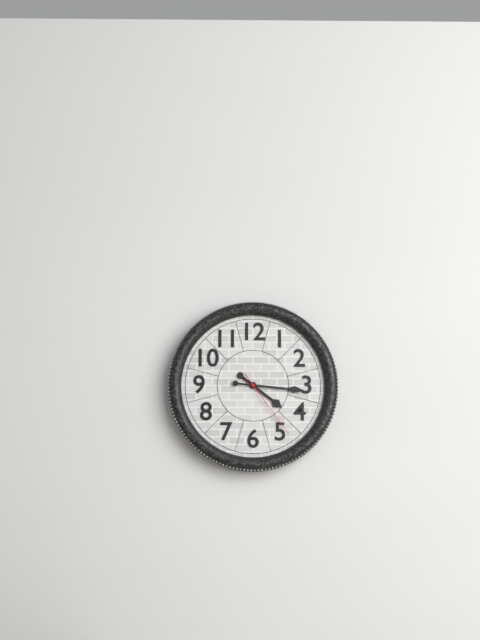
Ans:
h=4 m=16 s=24
